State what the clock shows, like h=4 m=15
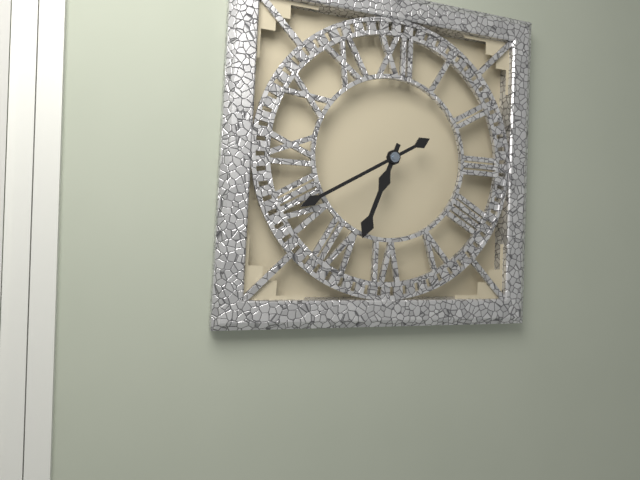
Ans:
h=6 m=40
